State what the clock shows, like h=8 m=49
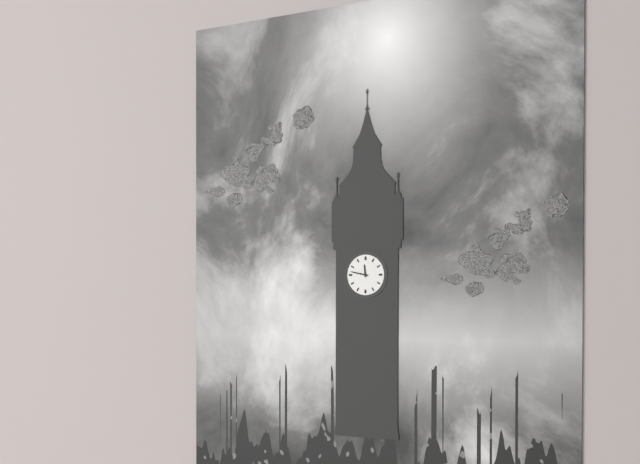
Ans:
h=11 m=47
